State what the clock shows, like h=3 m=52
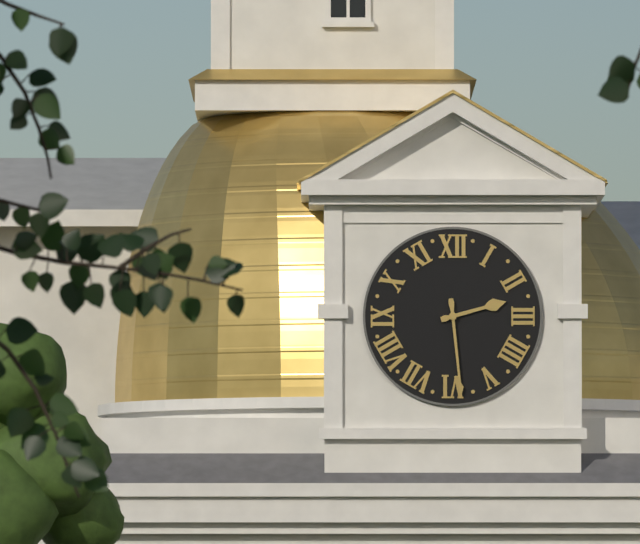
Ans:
h=2 m=29
